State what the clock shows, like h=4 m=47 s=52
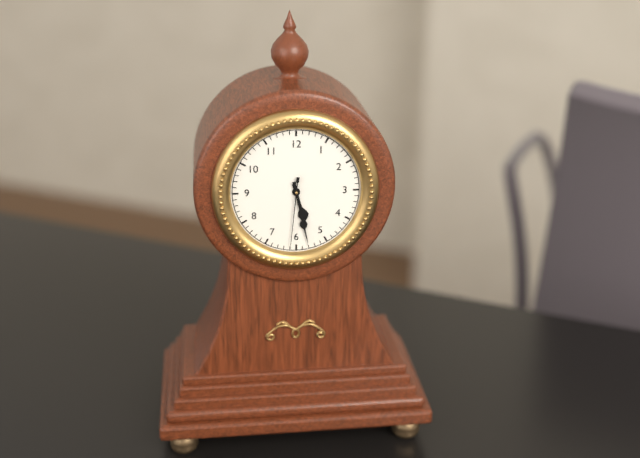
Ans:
h=5 m=28 s=31
